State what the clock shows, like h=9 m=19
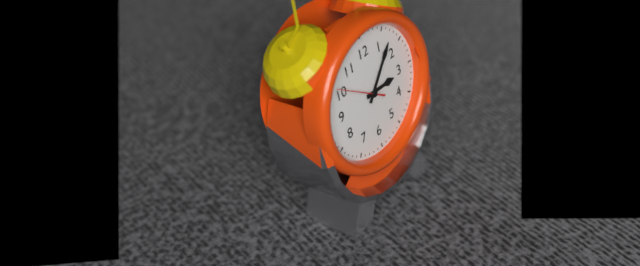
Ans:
h=3 m=7
